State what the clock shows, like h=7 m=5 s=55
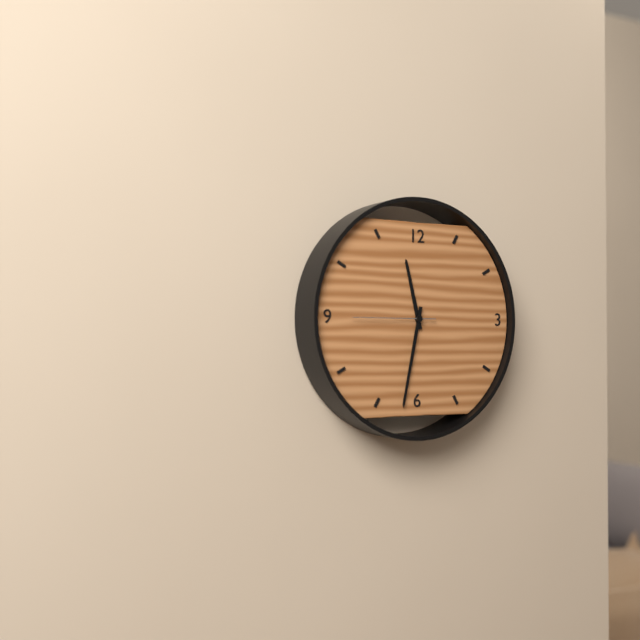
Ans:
h=11 m=32 s=45
